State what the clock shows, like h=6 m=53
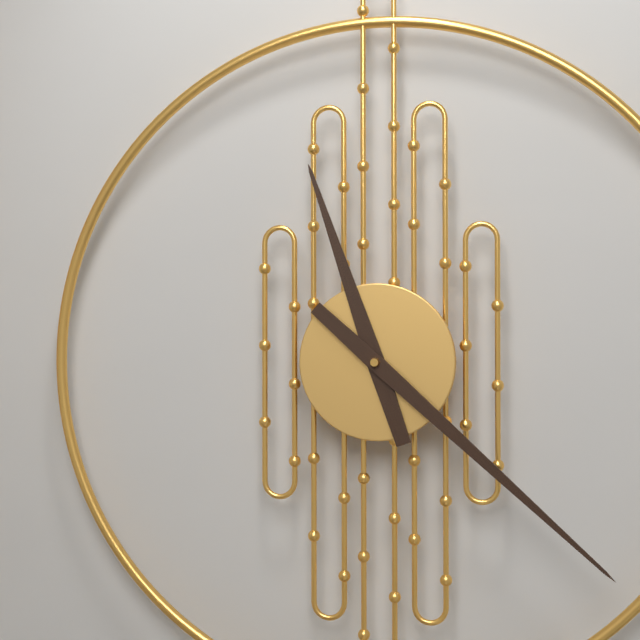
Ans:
h=11 m=22
